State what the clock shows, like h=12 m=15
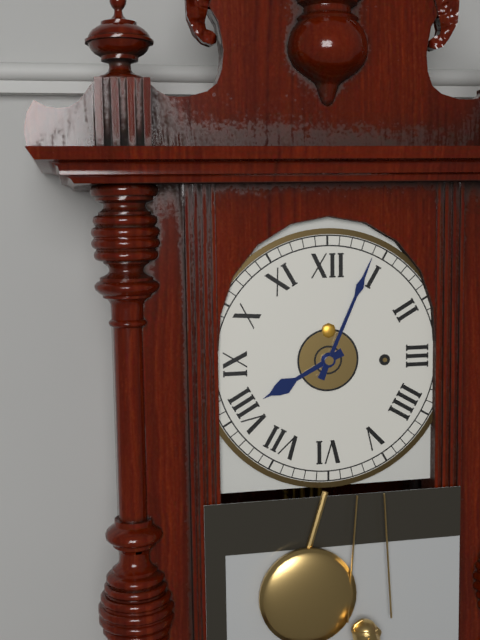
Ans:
h=8 m=4
